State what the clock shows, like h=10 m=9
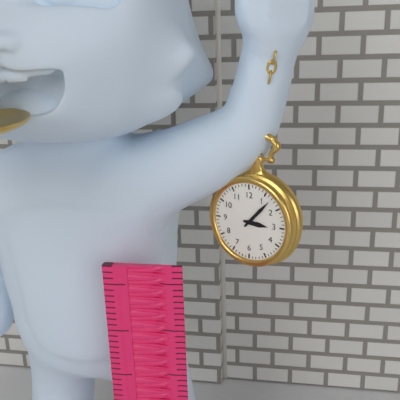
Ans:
h=3 m=7
